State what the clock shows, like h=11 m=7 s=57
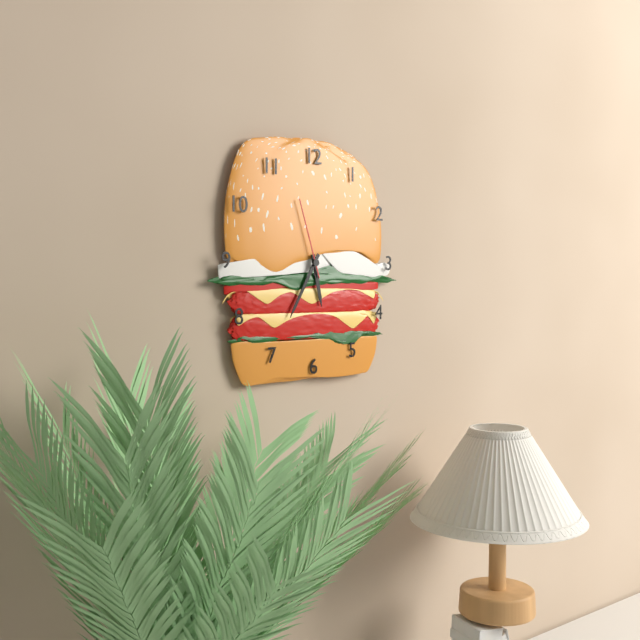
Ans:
h=5 m=35 s=57
